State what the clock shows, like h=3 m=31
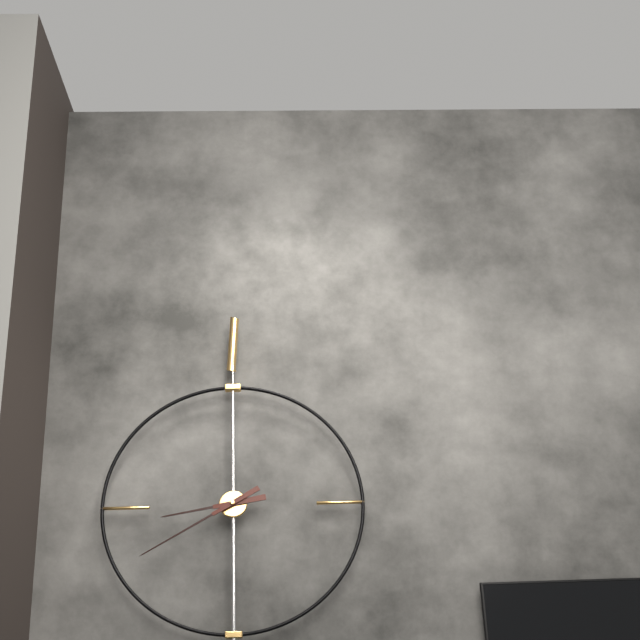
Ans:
h=8 m=40
